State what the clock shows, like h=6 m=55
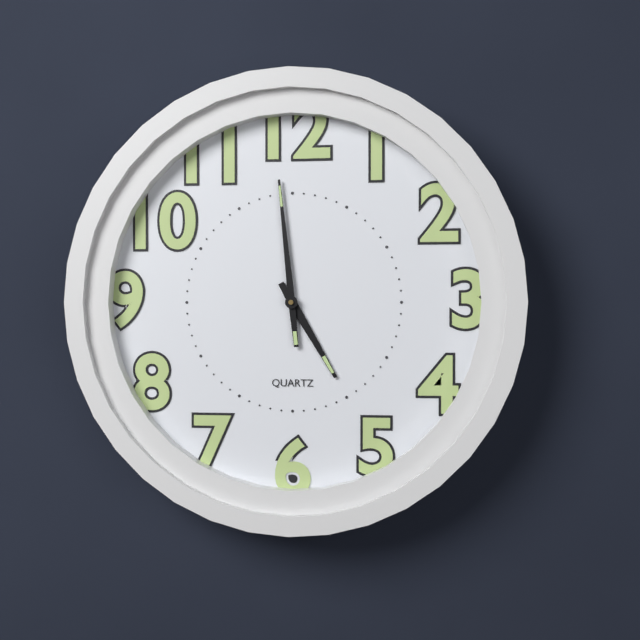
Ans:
h=4 m=59
